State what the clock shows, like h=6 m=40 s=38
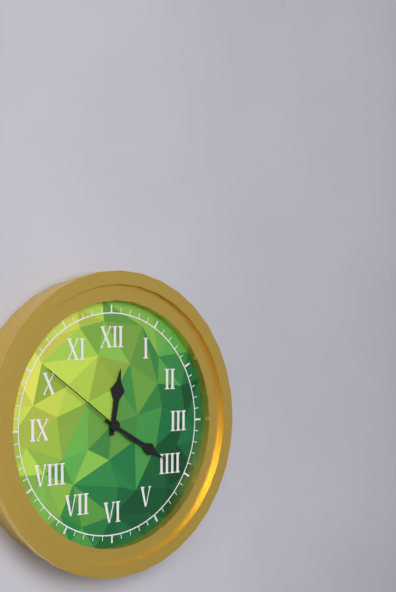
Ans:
h=12 m=20 s=51
